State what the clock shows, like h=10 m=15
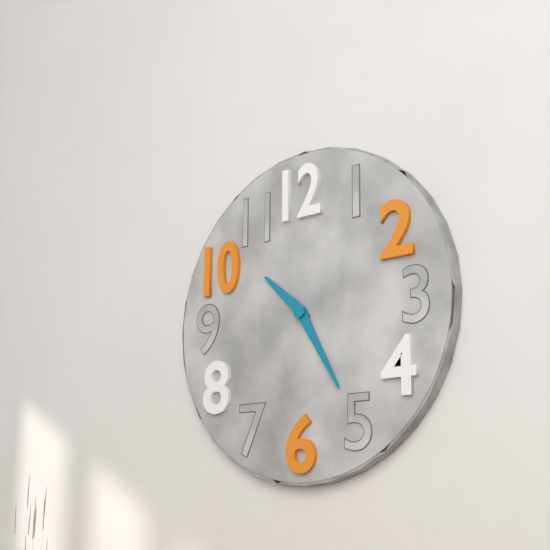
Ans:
h=10 m=25
